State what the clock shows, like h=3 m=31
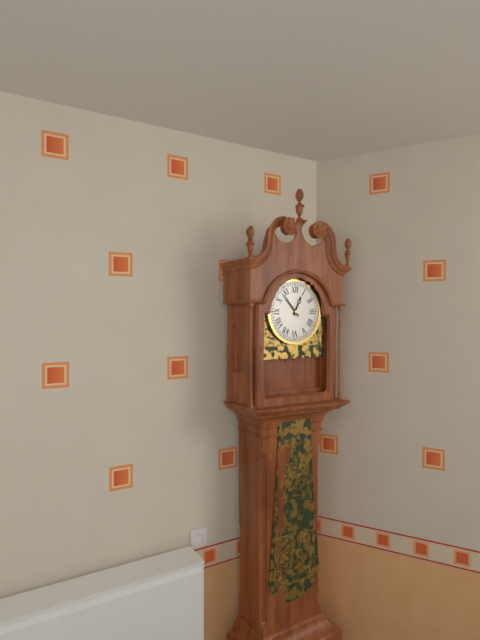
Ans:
h=12 m=53
